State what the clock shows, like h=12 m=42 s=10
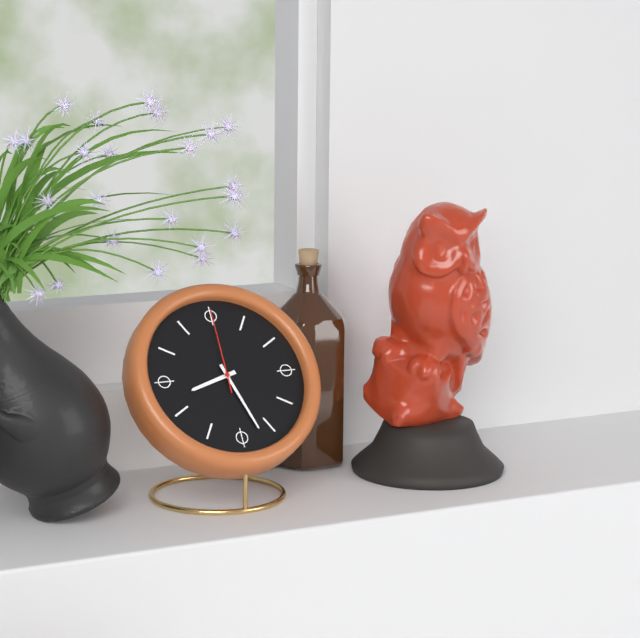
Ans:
h=8 m=27 s=0
